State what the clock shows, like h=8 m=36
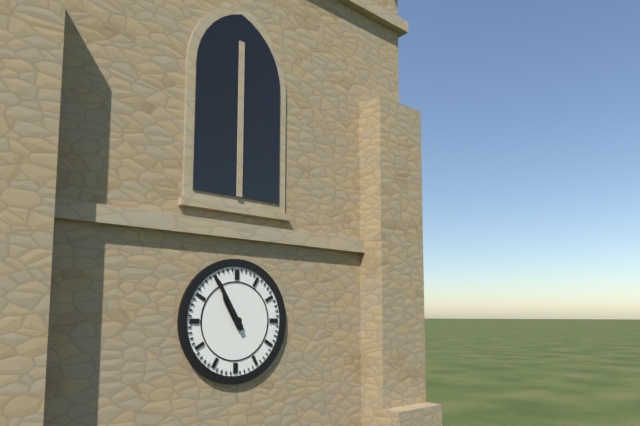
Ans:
h=10 m=55
